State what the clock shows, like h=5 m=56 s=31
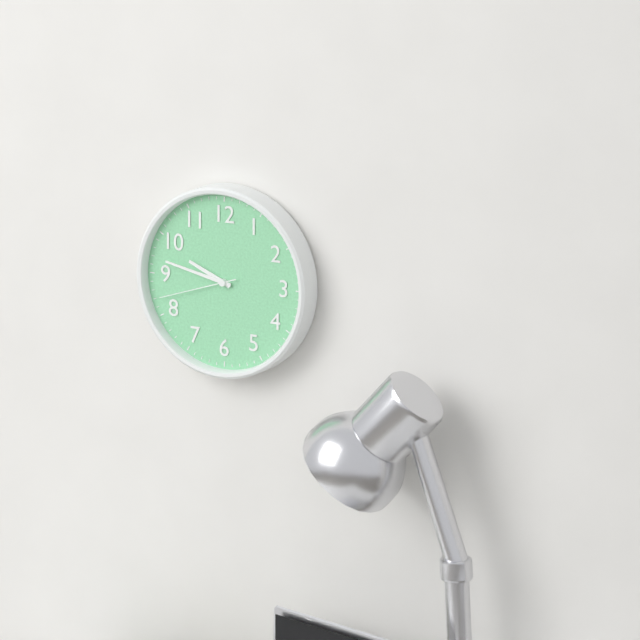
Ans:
h=9 m=47 s=42
